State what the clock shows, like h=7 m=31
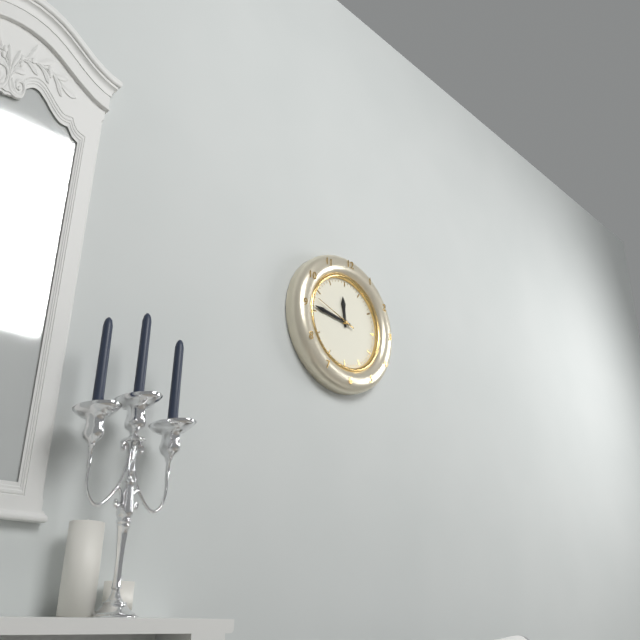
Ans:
h=11 m=46
